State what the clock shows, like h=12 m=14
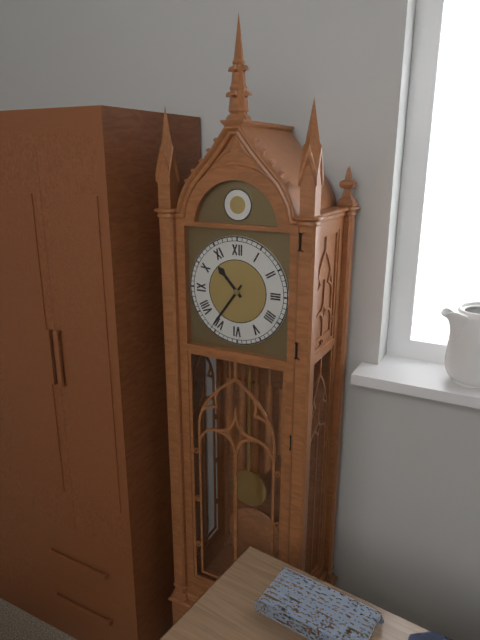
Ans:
h=10 m=36
